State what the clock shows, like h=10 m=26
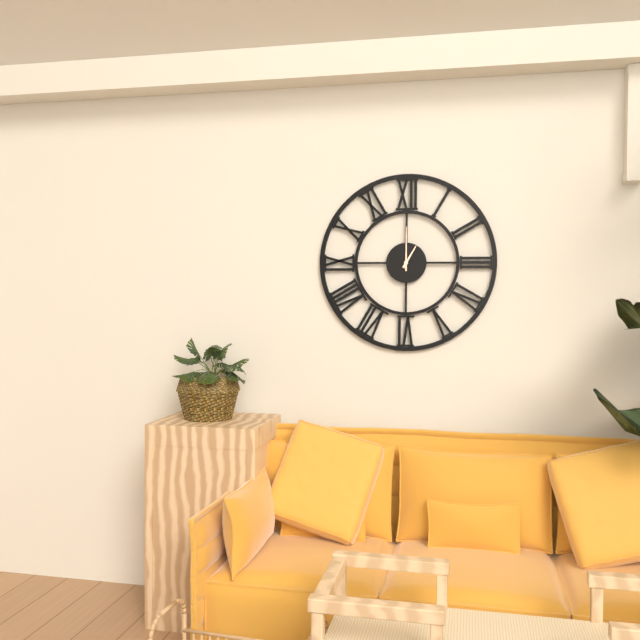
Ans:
h=1 m=0
